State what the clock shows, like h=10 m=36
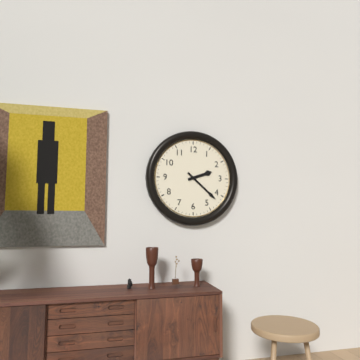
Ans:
h=2 m=22
